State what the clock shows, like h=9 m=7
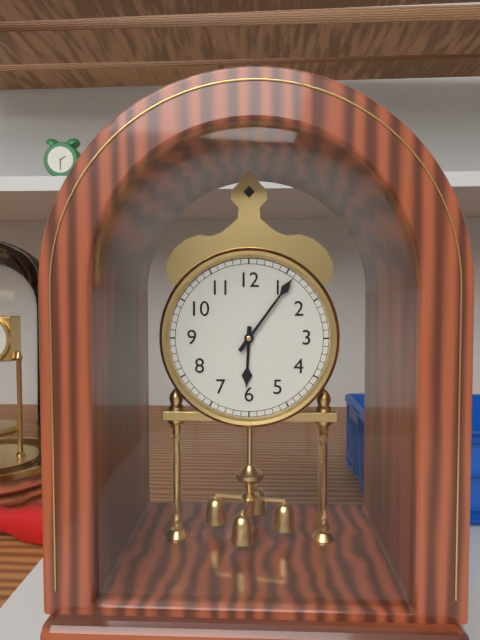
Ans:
h=6 m=6
